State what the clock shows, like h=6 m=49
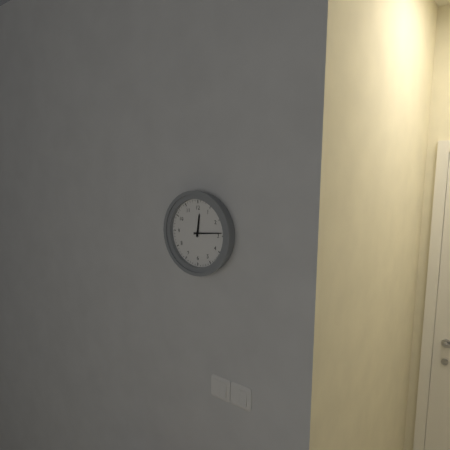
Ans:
h=12 m=14
